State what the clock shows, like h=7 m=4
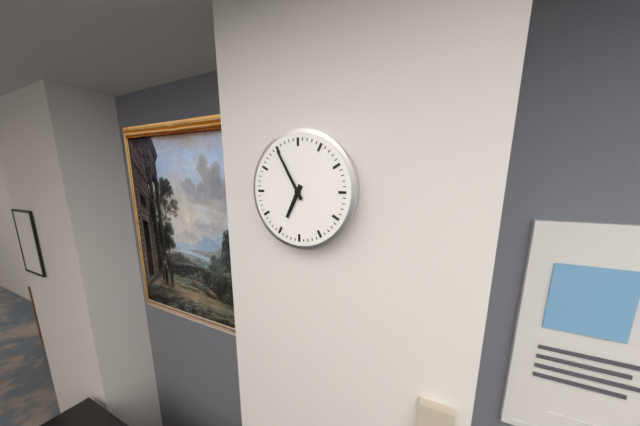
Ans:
h=6 m=55
